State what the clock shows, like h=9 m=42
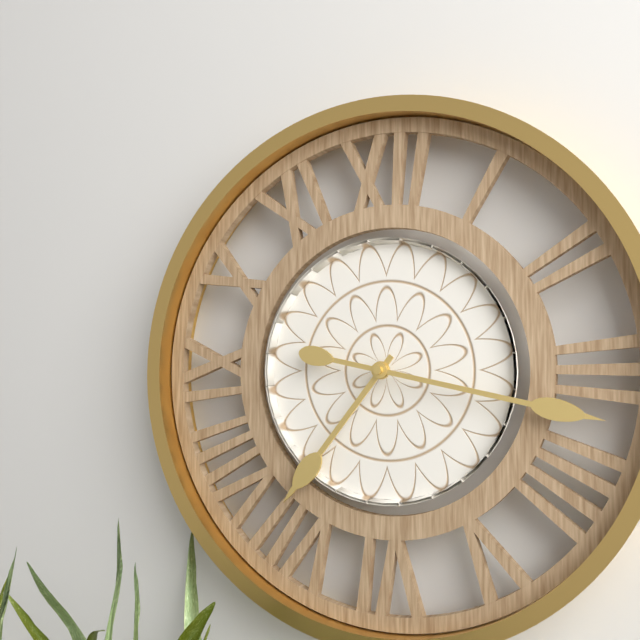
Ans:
h=7 m=17
